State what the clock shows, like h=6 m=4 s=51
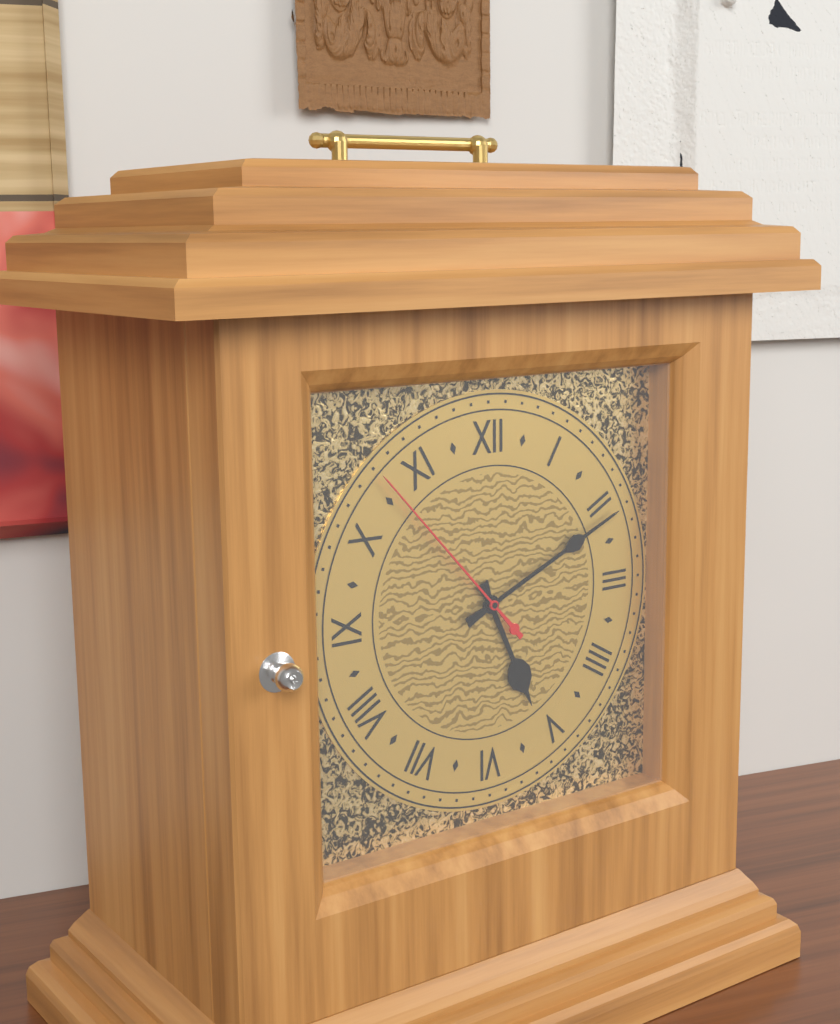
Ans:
h=5 m=11 s=53
